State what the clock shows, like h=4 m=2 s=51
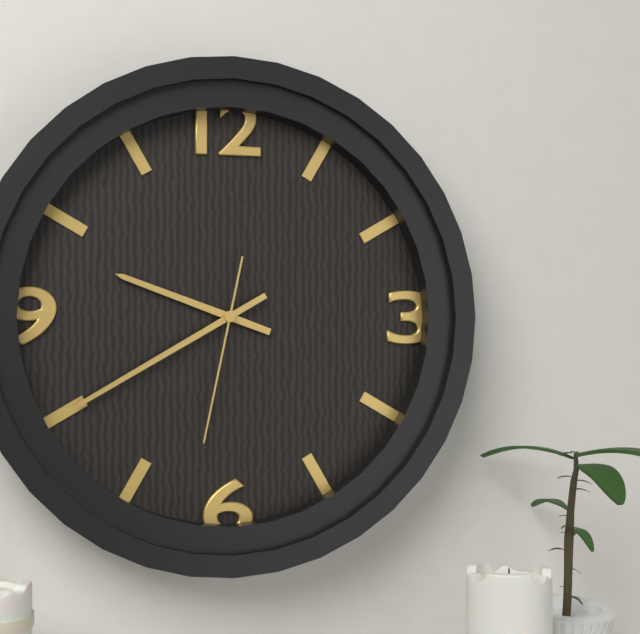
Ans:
h=9 m=40 s=32
